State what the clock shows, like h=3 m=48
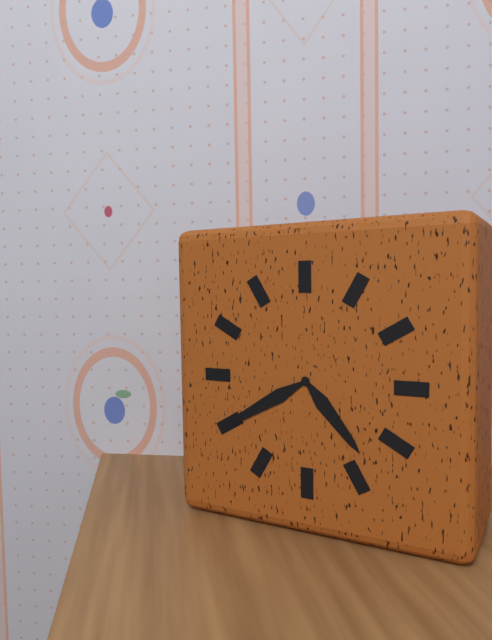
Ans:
h=4 m=40
